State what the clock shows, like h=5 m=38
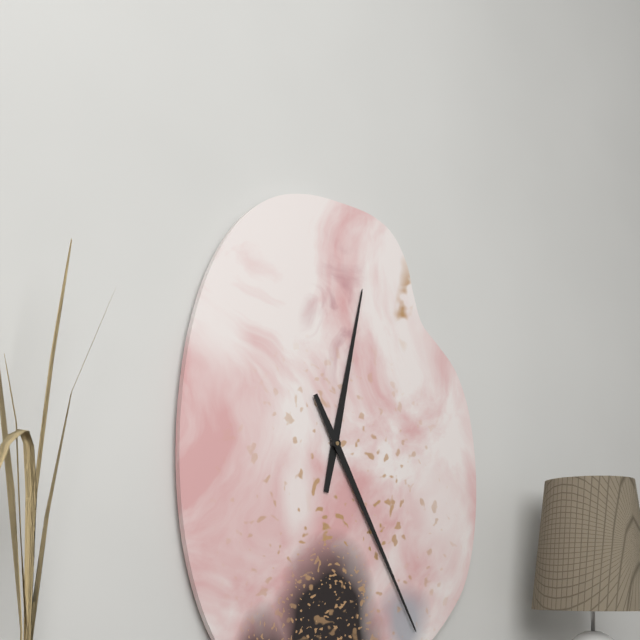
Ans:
h=12 m=25
